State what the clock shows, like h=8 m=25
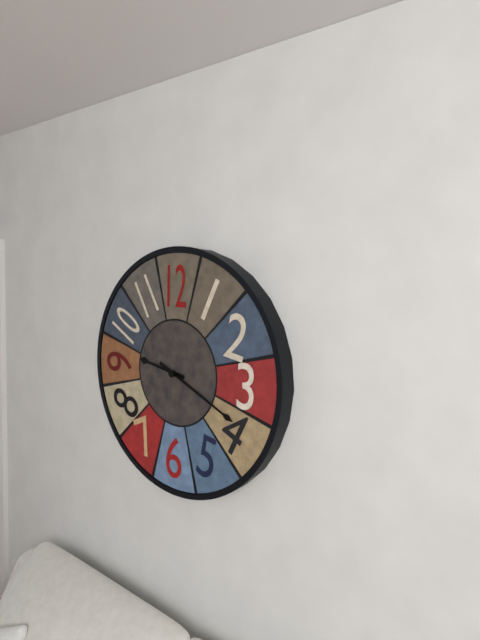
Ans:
h=9 m=19
